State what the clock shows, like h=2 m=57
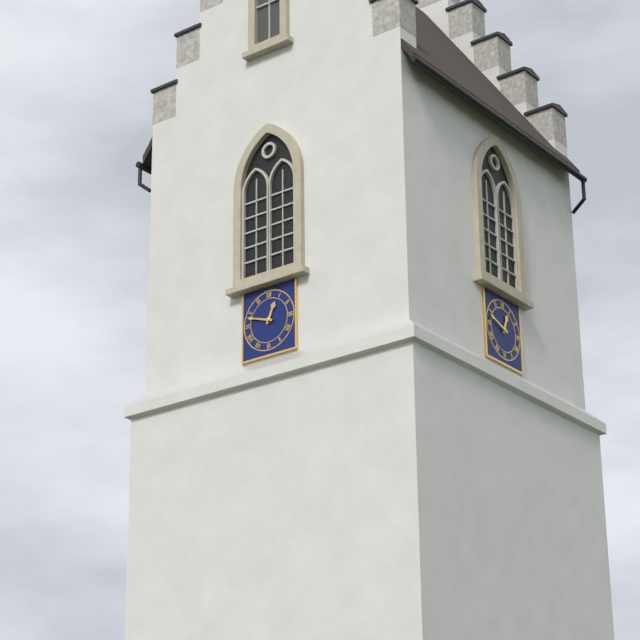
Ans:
h=12 m=48
